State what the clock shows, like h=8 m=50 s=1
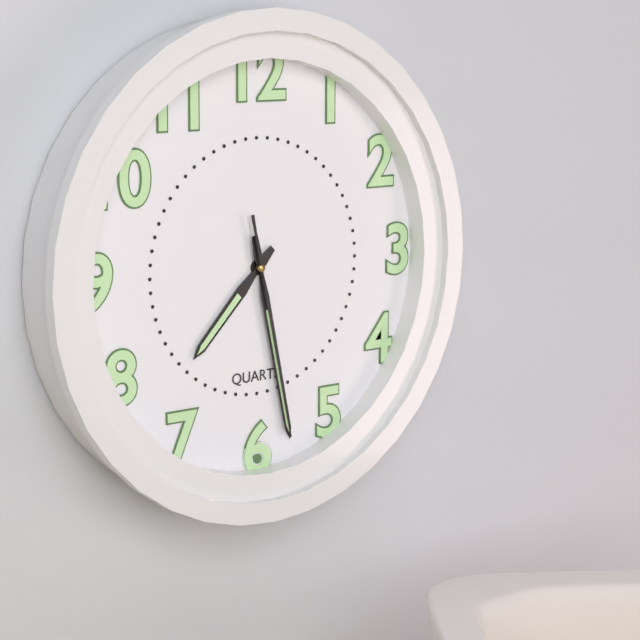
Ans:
h=7 m=28 s=28
